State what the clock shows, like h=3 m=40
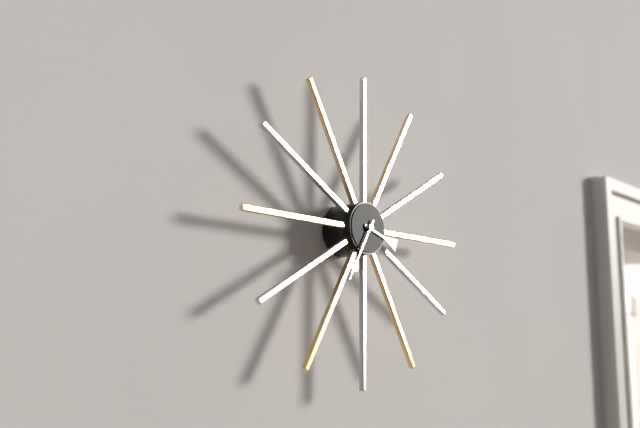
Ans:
h=3 m=35
